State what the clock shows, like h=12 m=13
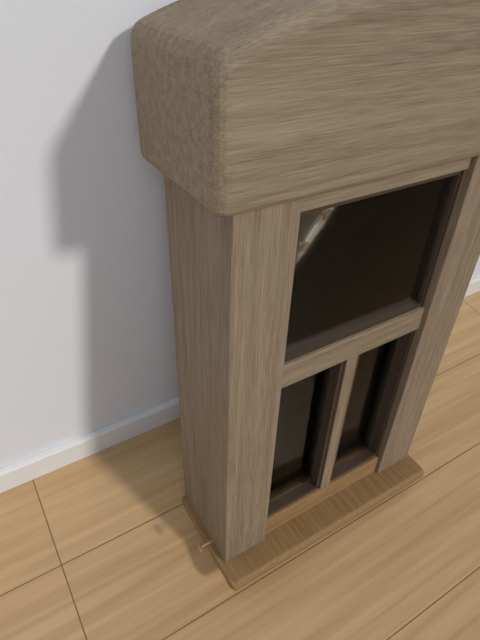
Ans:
h=12 m=4
